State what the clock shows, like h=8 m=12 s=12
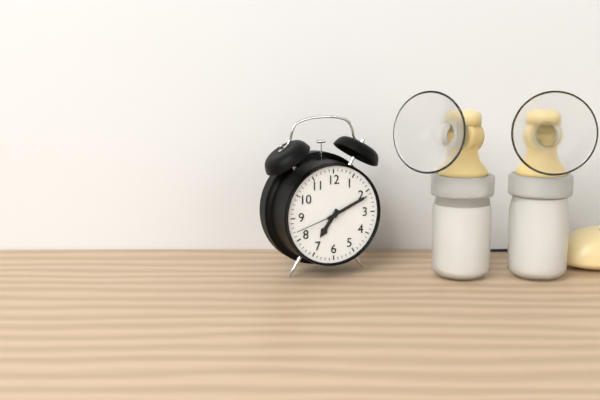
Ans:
h=7 m=11 s=42
